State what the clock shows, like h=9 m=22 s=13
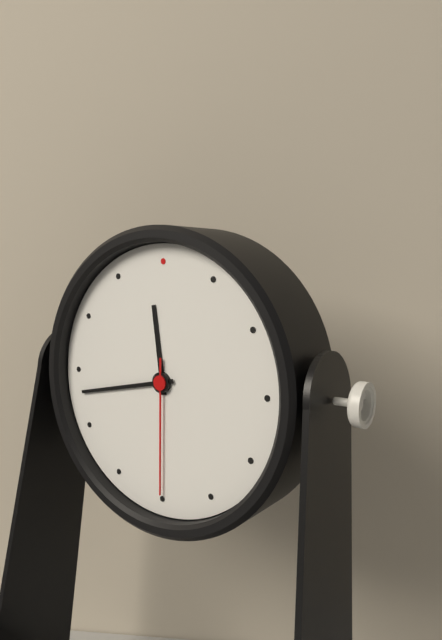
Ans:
h=11 m=43 s=30
